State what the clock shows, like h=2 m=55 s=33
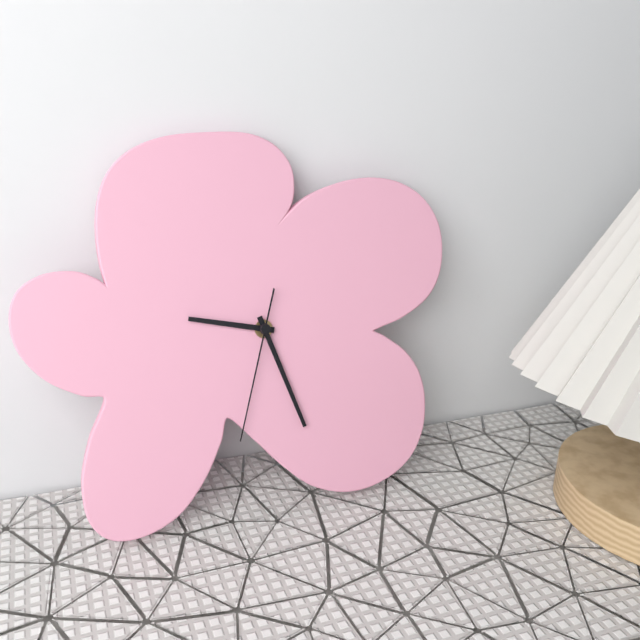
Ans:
h=9 m=27 s=33
